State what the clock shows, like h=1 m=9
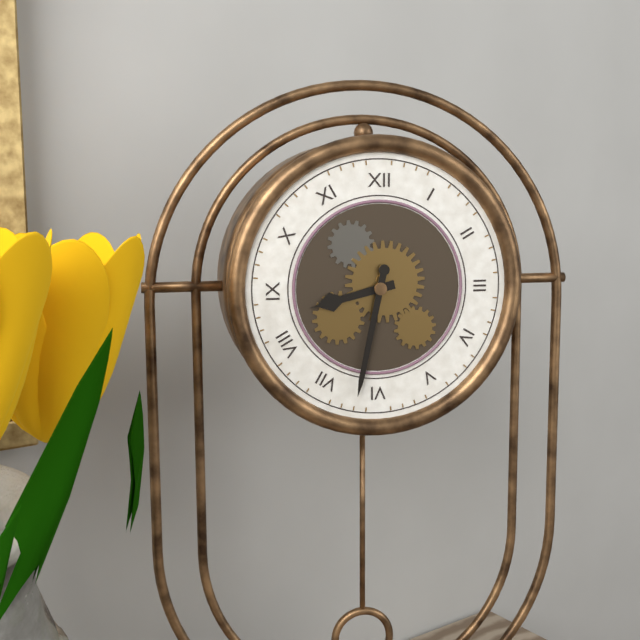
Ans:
h=8 m=32
